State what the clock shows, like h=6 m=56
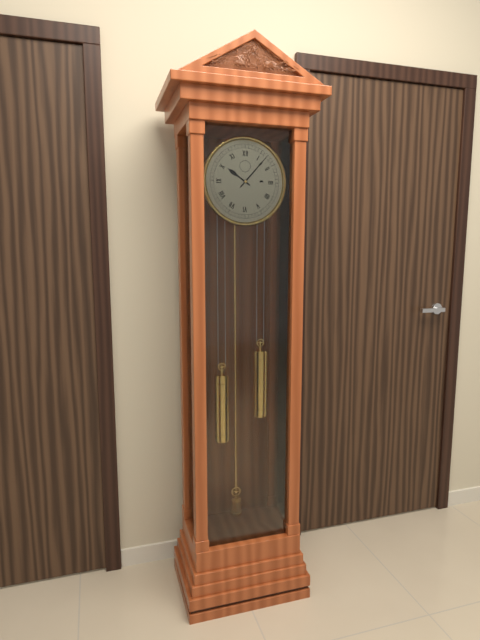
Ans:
h=10 m=7
